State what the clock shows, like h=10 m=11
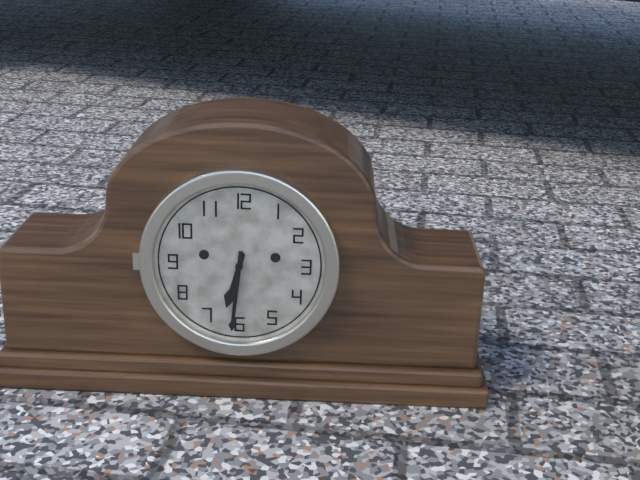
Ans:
h=6 m=31
